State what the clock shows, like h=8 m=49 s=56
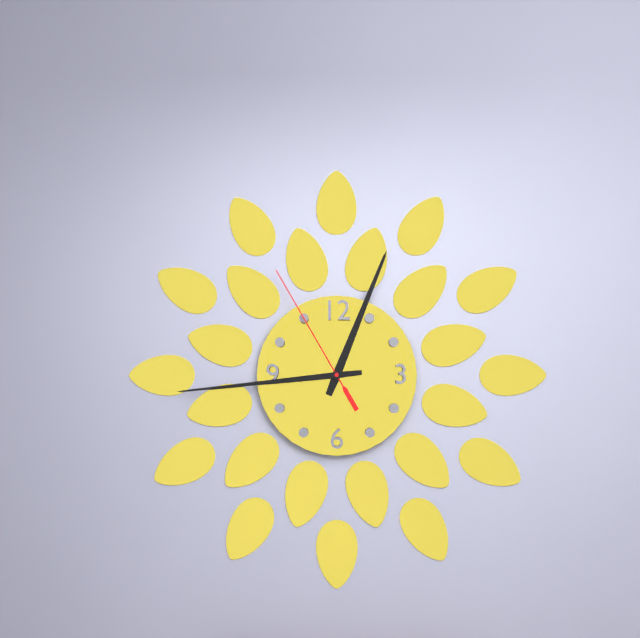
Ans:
h=12 m=44 s=55
